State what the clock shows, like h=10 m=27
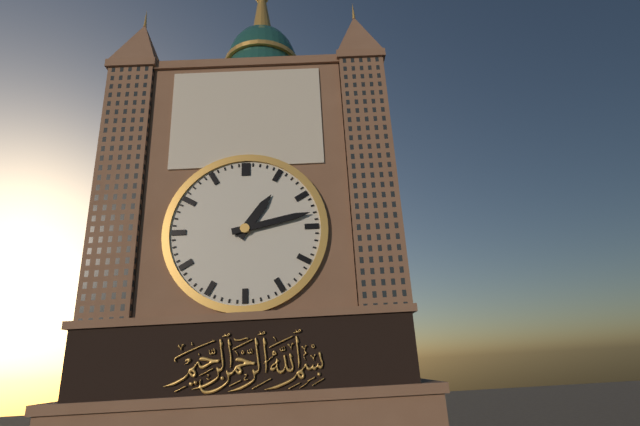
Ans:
h=1 m=13
